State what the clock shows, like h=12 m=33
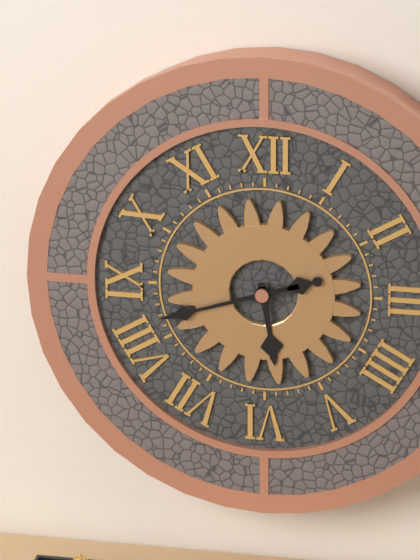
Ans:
h=5 m=42
